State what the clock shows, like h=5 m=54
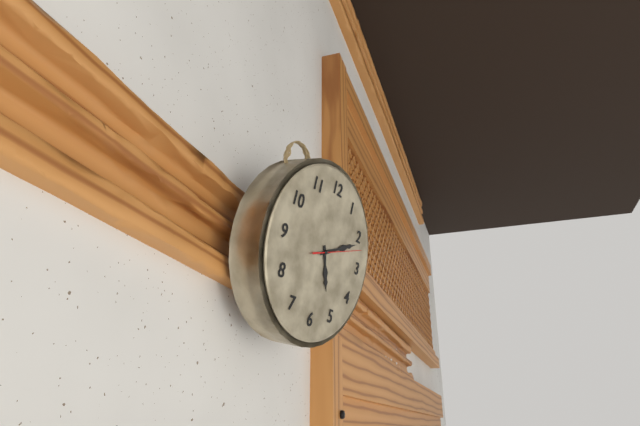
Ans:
h=5 m=11
